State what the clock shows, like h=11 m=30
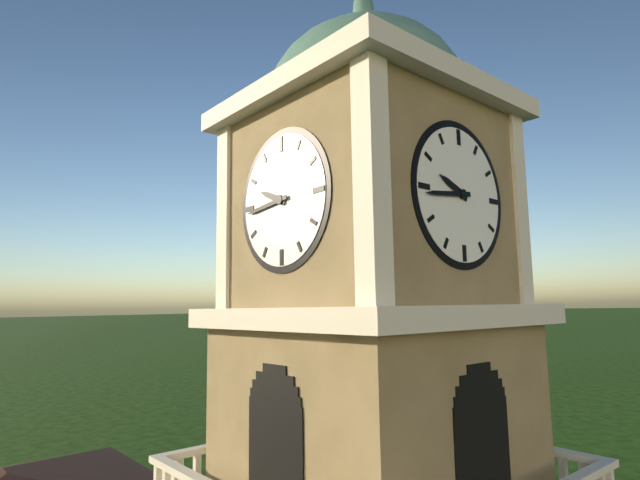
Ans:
h=9 m=44
